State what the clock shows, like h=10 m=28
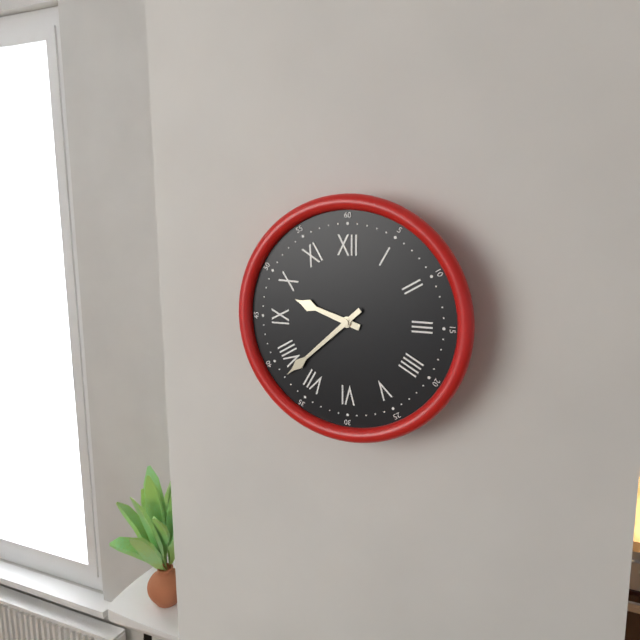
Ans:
h=9 m=38
